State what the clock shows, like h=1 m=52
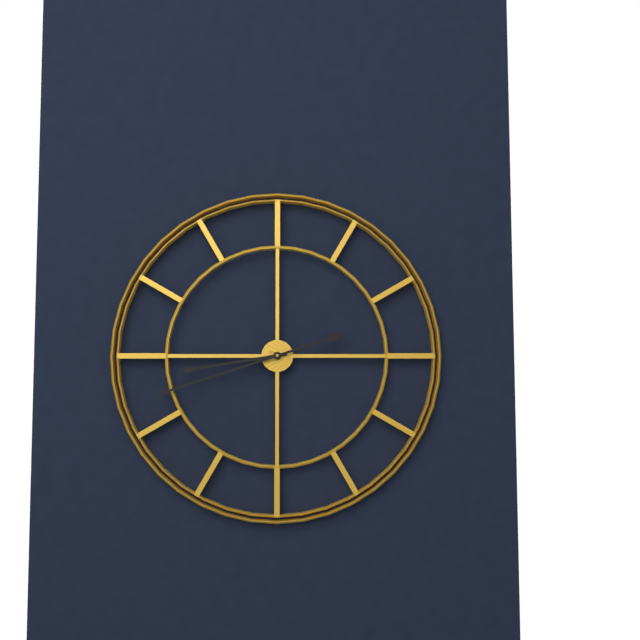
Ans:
h=8 m=42
